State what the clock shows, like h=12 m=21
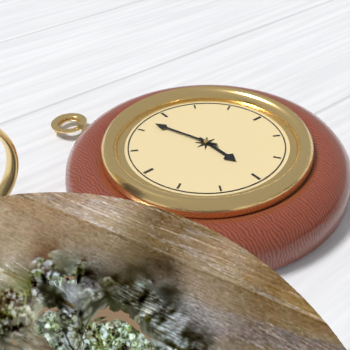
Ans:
h=5 m=57
